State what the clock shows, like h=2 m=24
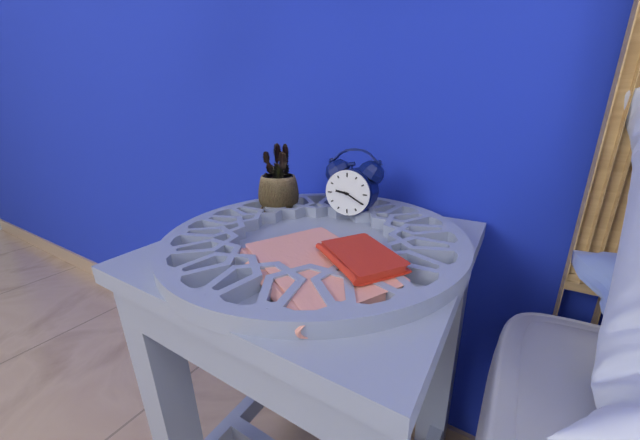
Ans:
h=9 m=20
